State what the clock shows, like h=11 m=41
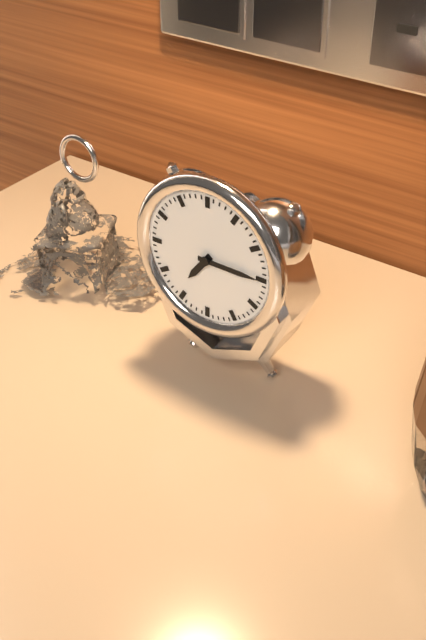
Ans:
h=7 m=15
